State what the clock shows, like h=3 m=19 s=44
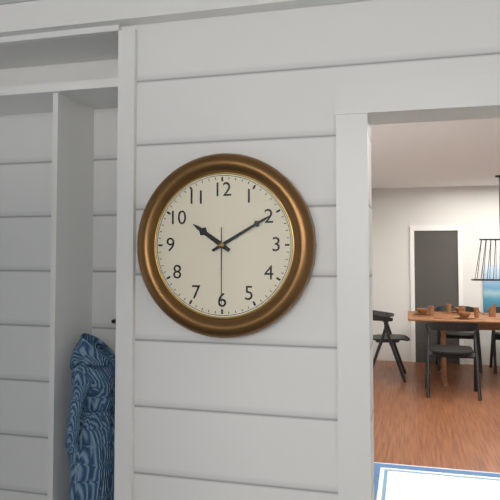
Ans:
h=10 m=10 s=30
